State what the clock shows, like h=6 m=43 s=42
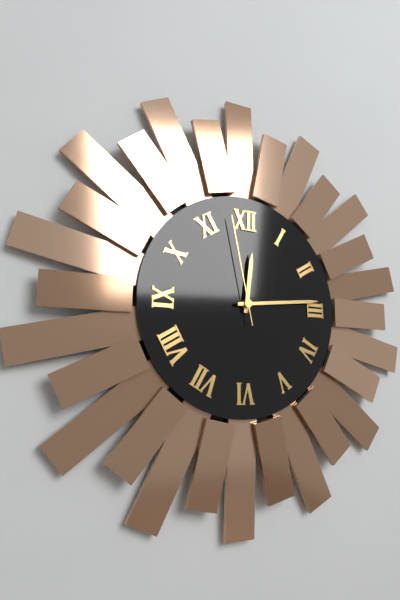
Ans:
h=12 m=14 s=58
